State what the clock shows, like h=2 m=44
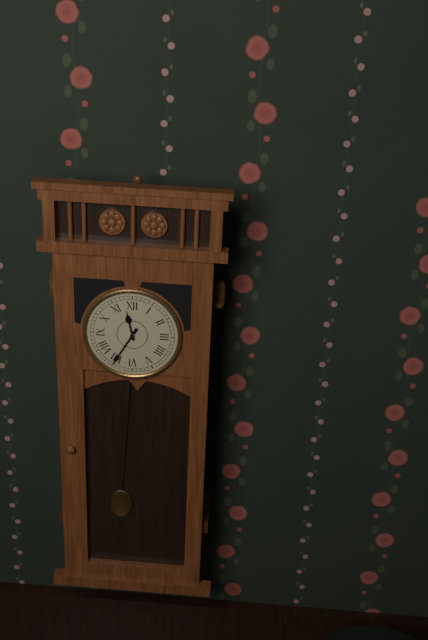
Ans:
h=11 m=35
